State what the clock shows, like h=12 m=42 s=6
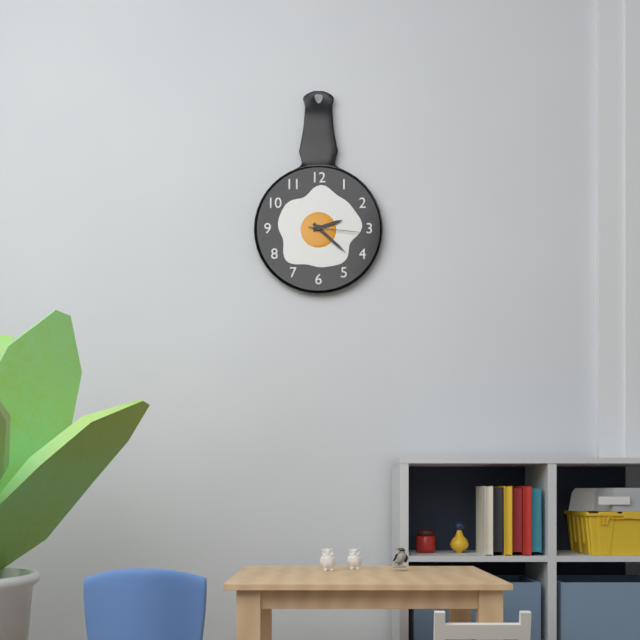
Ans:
h=2 m=22 s=16
